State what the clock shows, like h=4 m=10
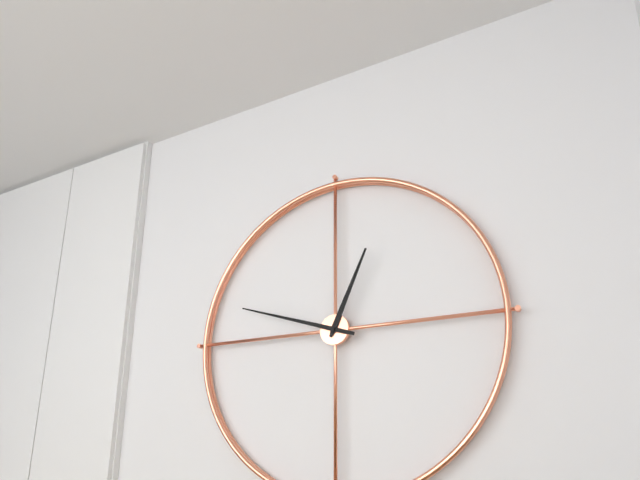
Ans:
h=12 m=48
